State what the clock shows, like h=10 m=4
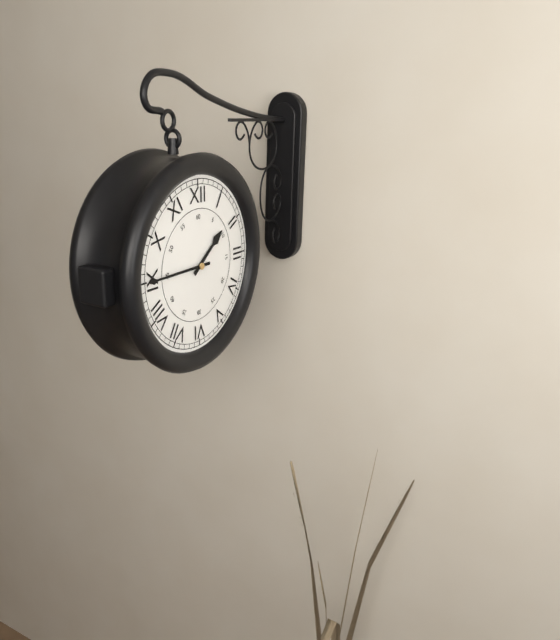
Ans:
h=1 m=45
